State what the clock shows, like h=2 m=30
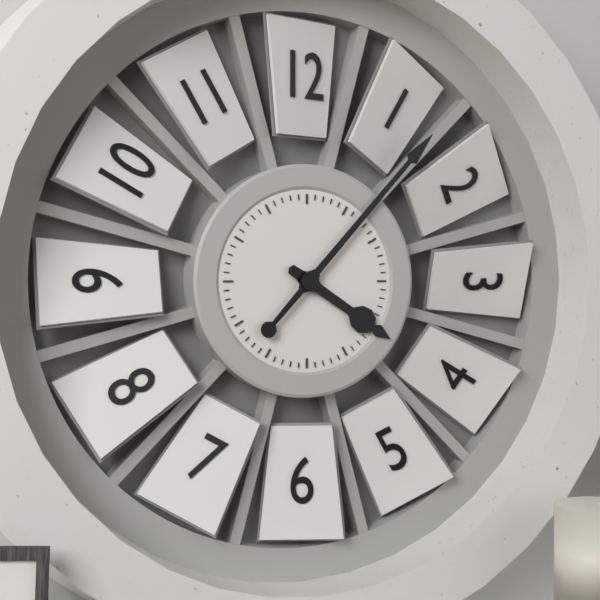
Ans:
h=4 m=7
